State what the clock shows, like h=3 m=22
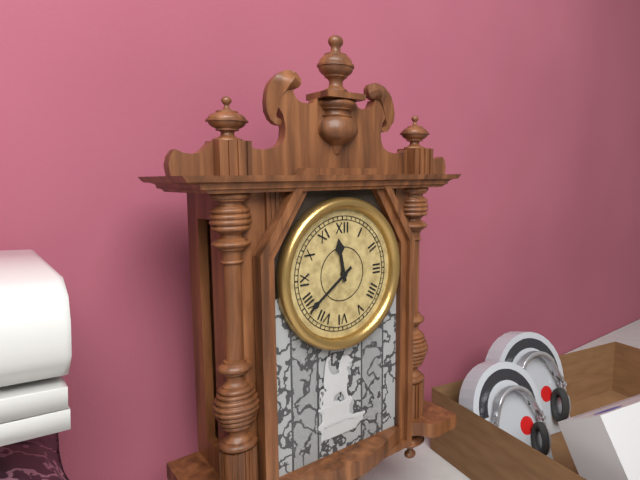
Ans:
h=11 m=39
